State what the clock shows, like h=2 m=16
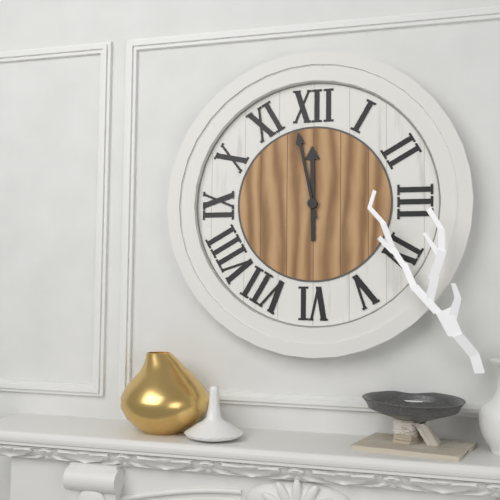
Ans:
h=11 m=58
